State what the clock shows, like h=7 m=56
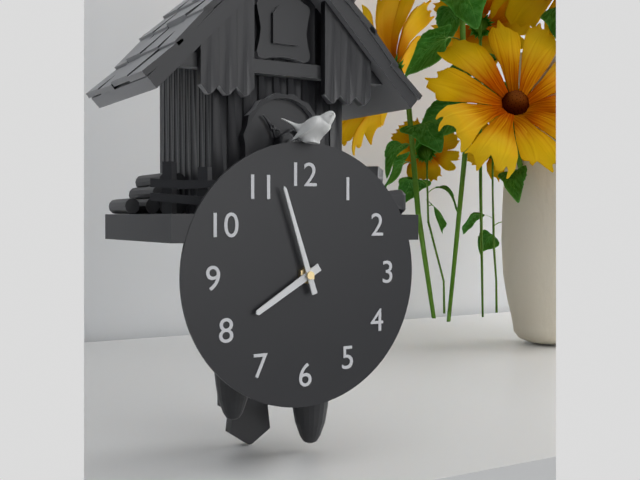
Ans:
h=7 m=57
